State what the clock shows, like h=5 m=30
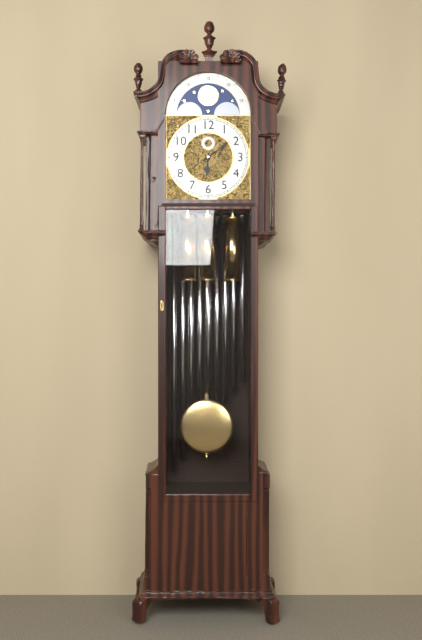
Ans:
h=6 m=9
